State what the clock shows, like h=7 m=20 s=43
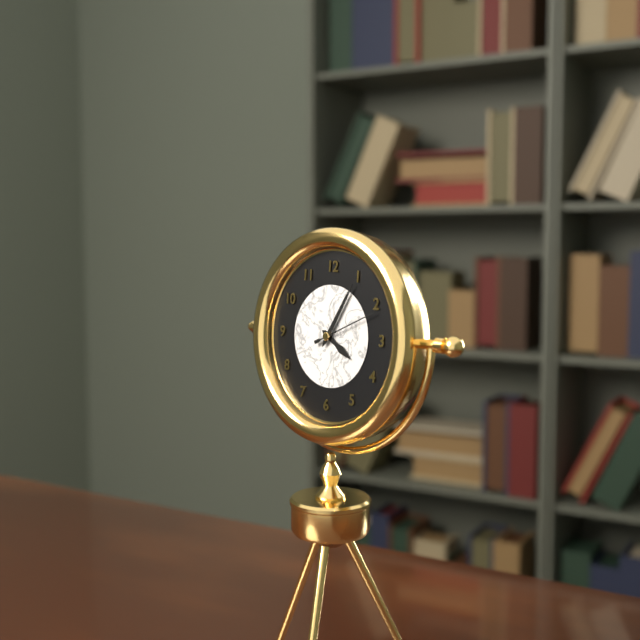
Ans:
h=4 m=5 s=11
